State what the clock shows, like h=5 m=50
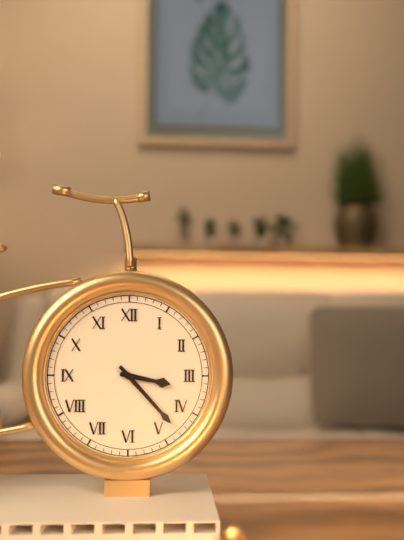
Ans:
h=3 m=23
